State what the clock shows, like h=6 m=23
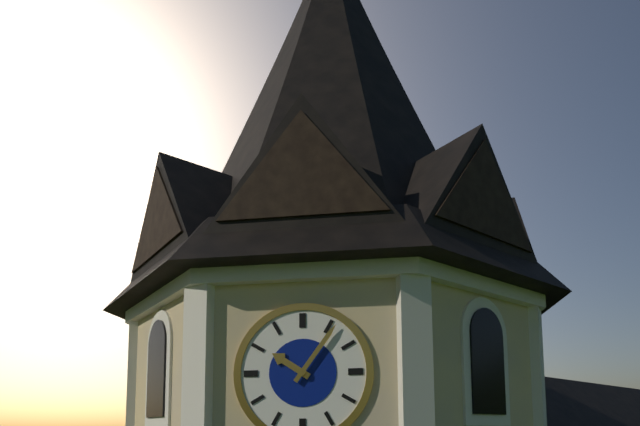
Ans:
h=10 m=6
